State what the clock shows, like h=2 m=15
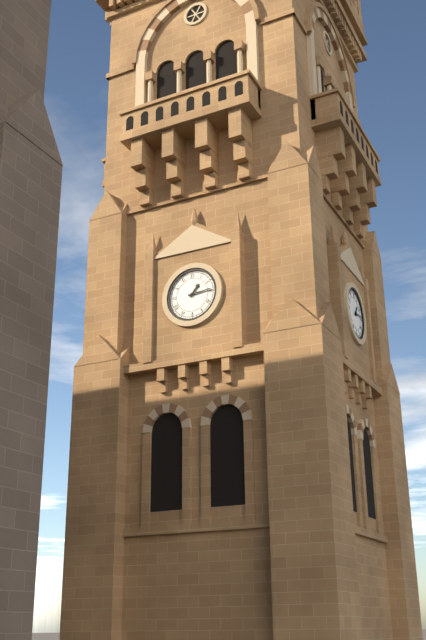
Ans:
h=1 m=14
